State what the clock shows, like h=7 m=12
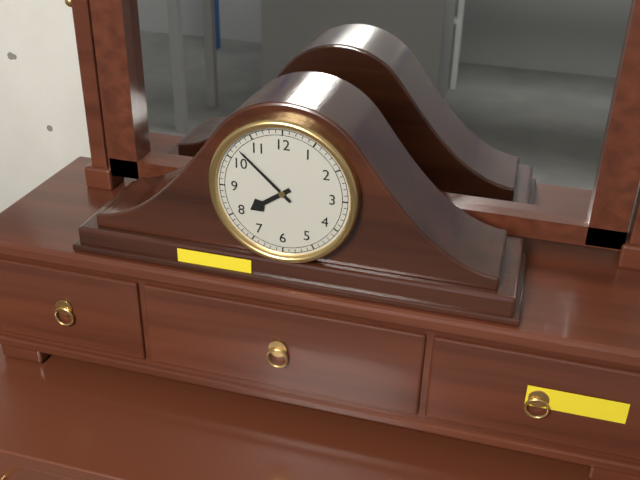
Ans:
h=7 m=52
